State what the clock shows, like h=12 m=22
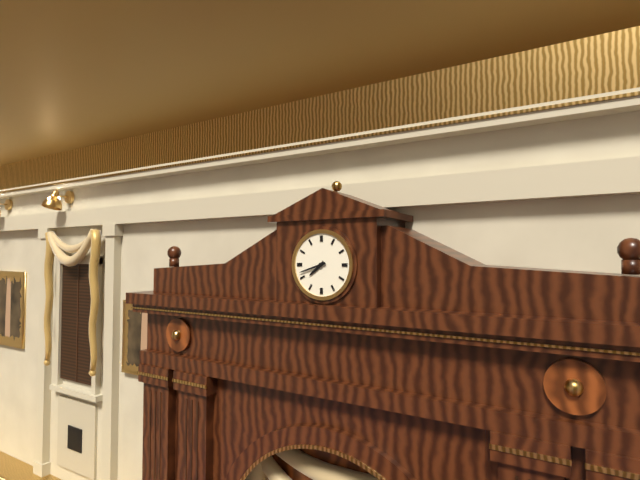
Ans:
h=7 m=42
